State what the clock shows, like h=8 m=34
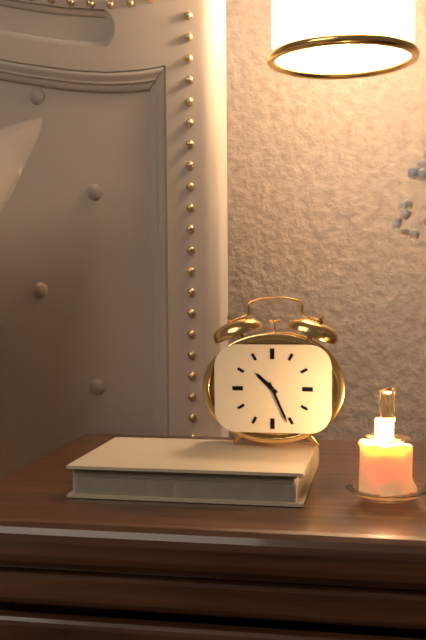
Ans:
h=10 m=26
